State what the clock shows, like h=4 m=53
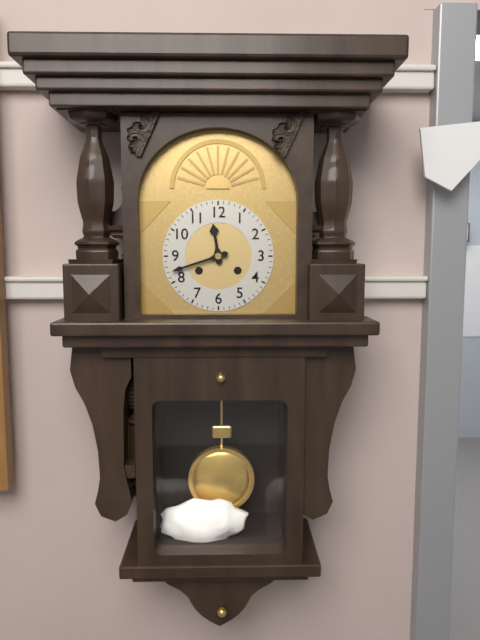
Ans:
h=11 m=42
